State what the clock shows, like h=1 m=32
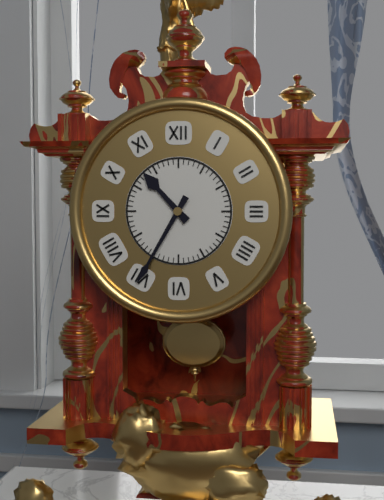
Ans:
h=10 m=35
